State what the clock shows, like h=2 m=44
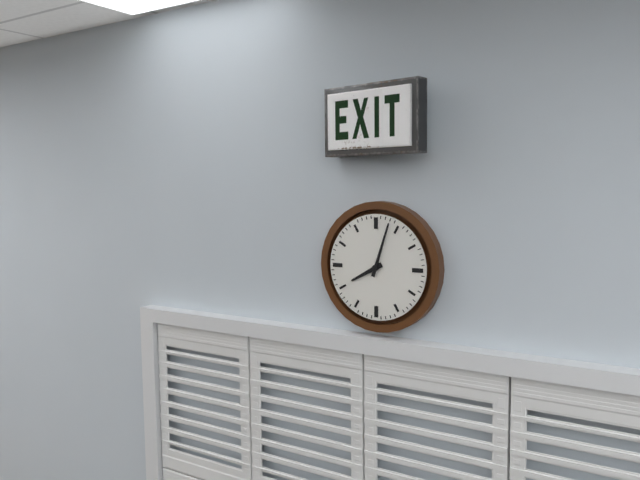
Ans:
h=8 m=3
